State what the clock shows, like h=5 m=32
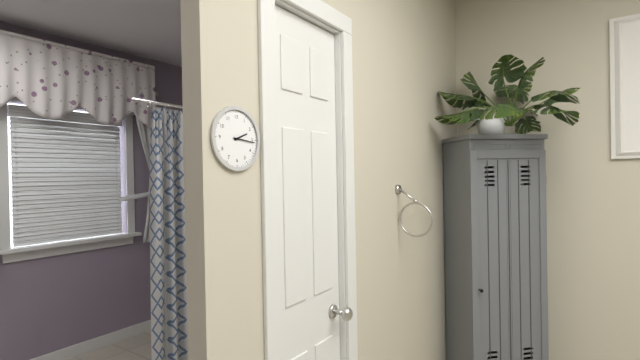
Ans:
h=2 m=16
